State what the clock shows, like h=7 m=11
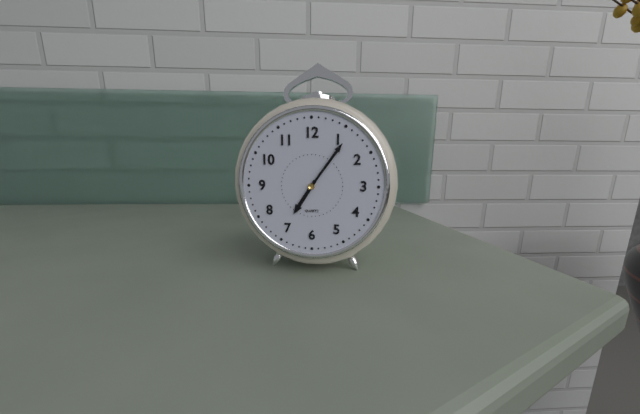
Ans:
h=7 m=6
